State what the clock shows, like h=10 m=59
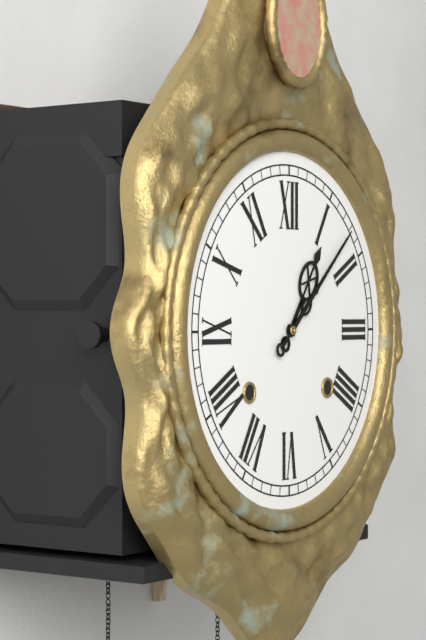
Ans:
h=1 m=8
